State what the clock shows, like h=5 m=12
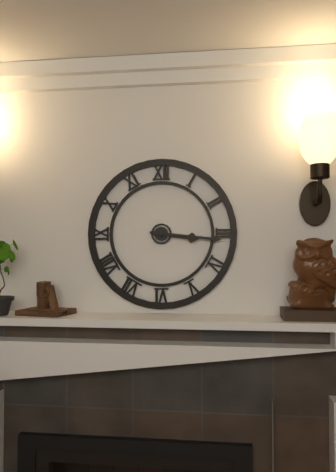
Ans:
h=3 m=16
